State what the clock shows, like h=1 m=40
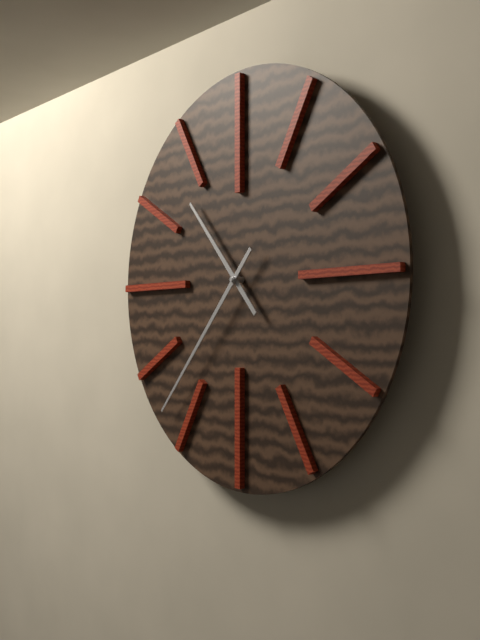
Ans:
h=10 m=37
